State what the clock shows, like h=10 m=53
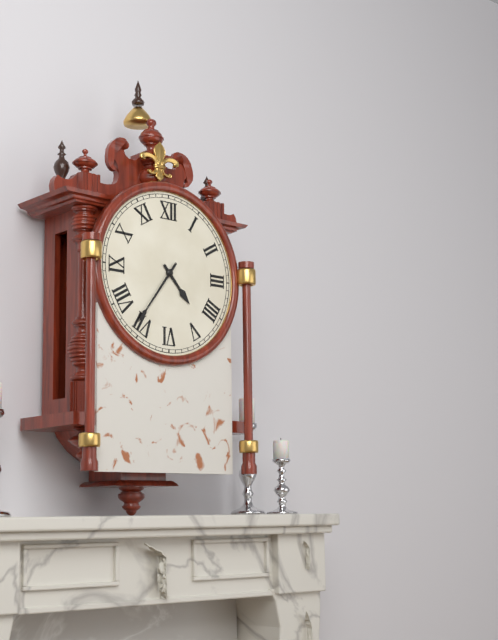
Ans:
h=4 m=36
